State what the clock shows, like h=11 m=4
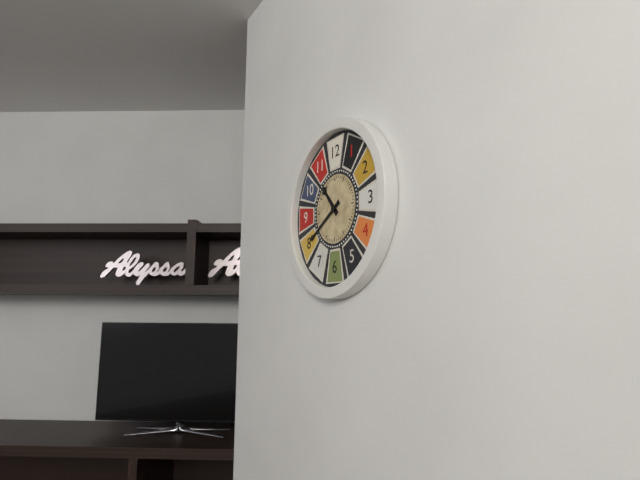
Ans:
h=10 m=40
